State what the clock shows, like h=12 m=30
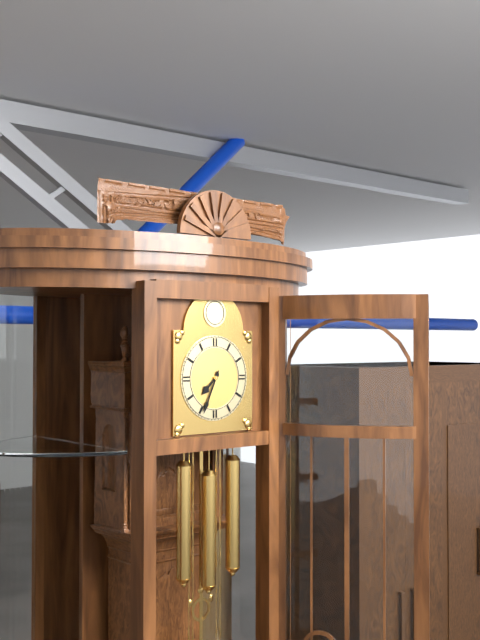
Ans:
h=7 m=34
